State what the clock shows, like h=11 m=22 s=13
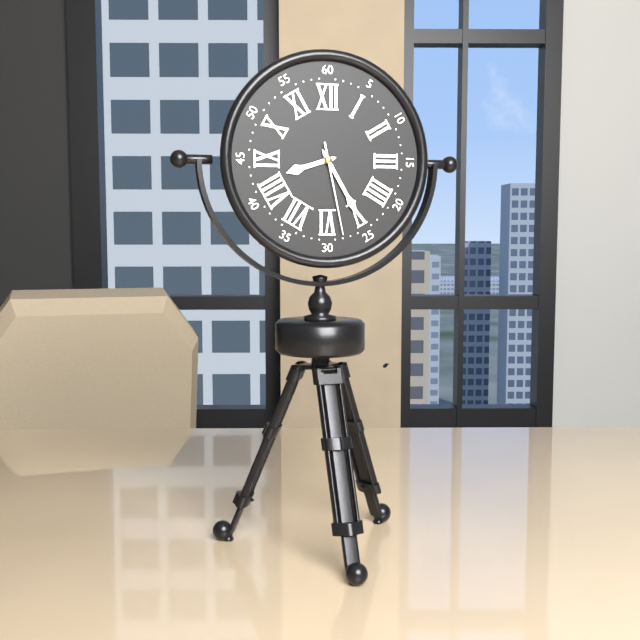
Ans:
h=8 m=25 s=28
